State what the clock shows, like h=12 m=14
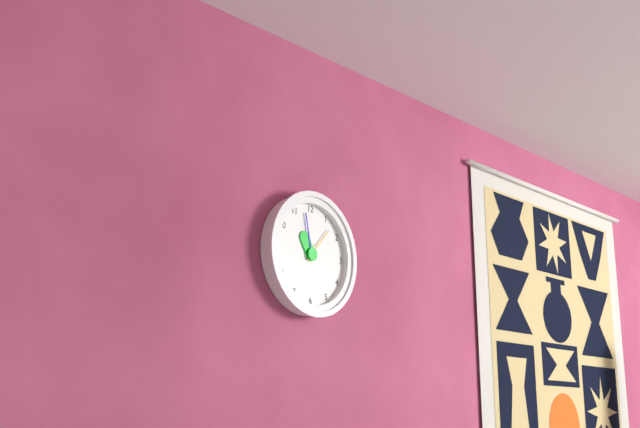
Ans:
h=10 m=58
